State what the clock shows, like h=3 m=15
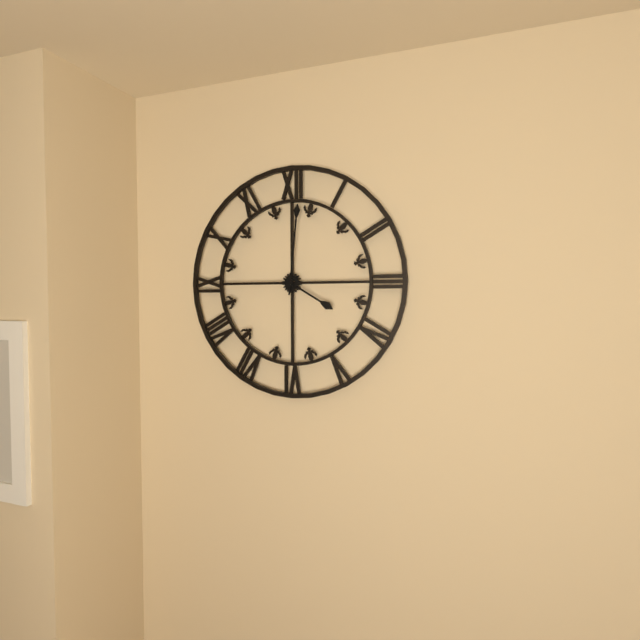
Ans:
h=4 m=1
